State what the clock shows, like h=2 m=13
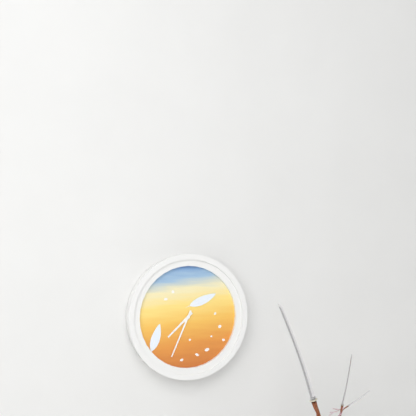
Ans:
h=7 m=34
